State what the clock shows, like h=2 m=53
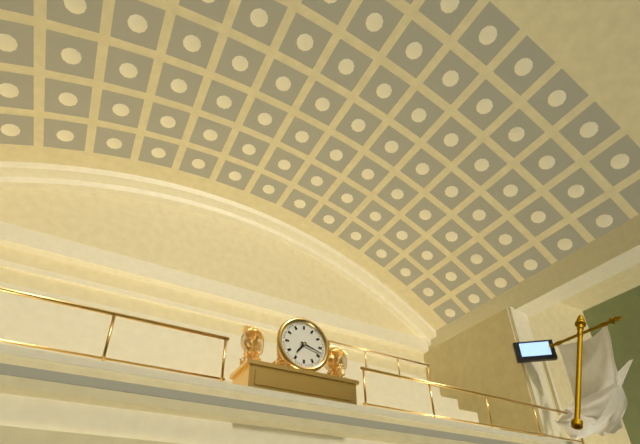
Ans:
h=7 m=18
